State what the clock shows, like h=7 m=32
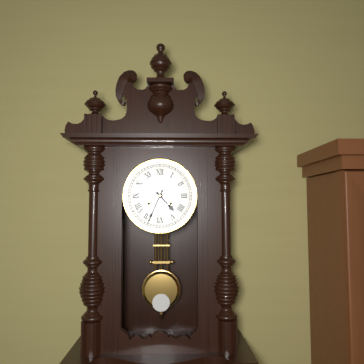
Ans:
h=4 m=34
